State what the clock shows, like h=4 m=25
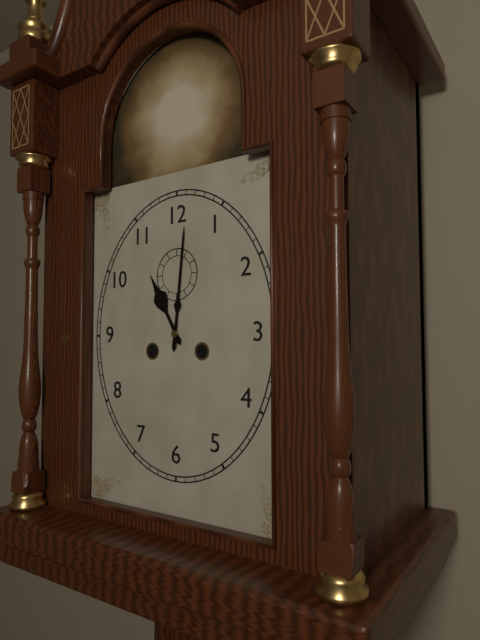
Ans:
h=11 m=1
